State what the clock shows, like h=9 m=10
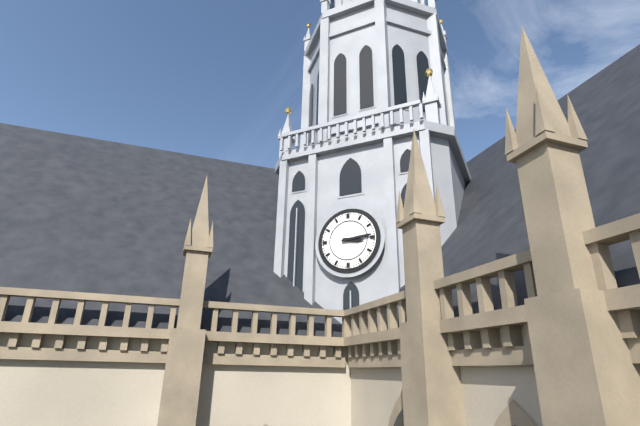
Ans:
h=3 m=14
